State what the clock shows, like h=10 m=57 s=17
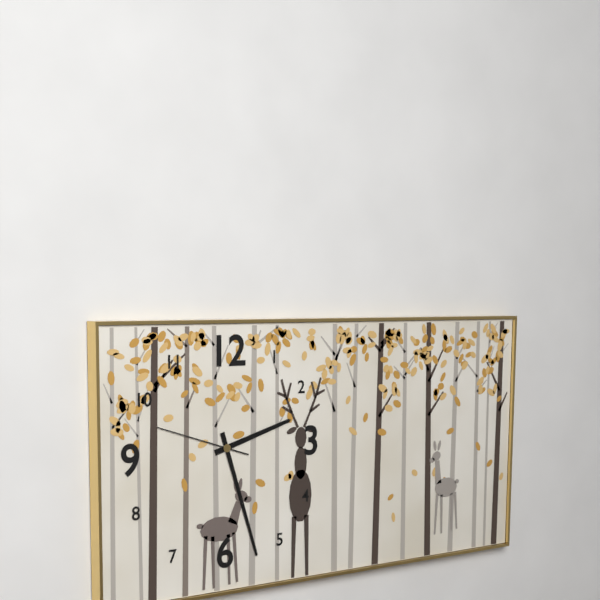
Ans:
h=2 m=27 s=48
